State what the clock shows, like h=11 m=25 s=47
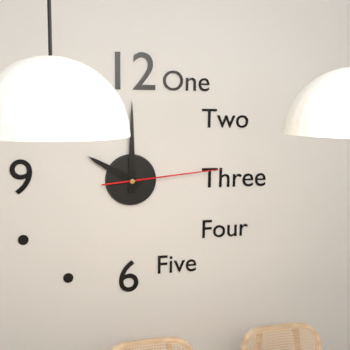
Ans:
h=10 m=0 s=14
